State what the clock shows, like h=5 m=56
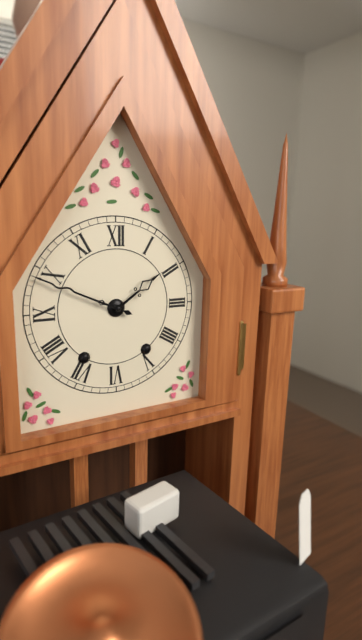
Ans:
h=1 m=49
